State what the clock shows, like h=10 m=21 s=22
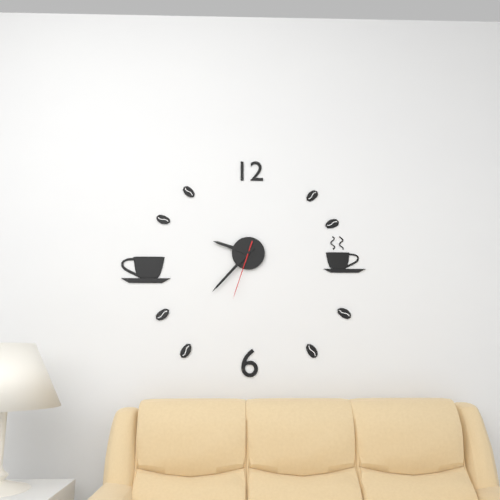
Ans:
h=9 m=37 s=33
